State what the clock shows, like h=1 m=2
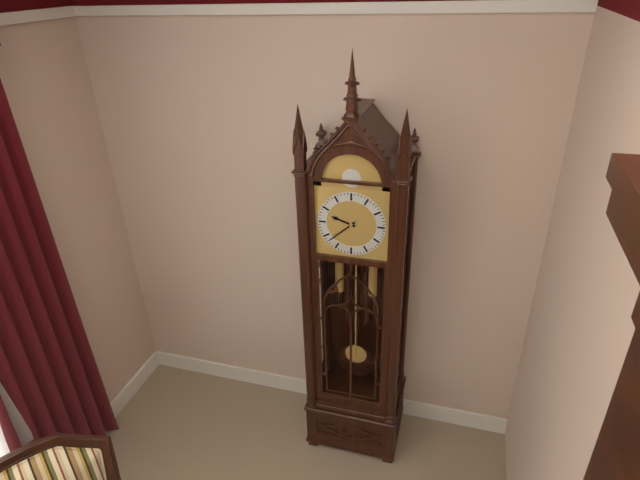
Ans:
h=9 m=38
